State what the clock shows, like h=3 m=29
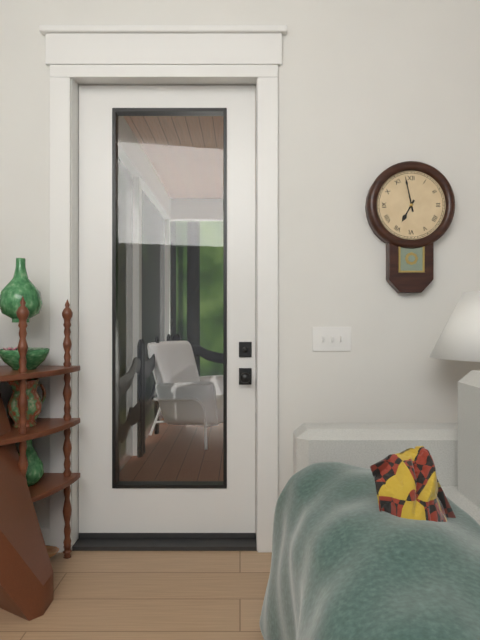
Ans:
h=6 m=58
